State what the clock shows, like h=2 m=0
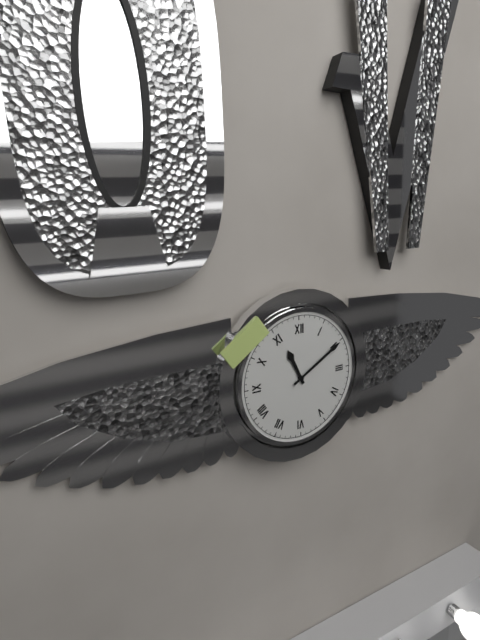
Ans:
h=11 m=10
